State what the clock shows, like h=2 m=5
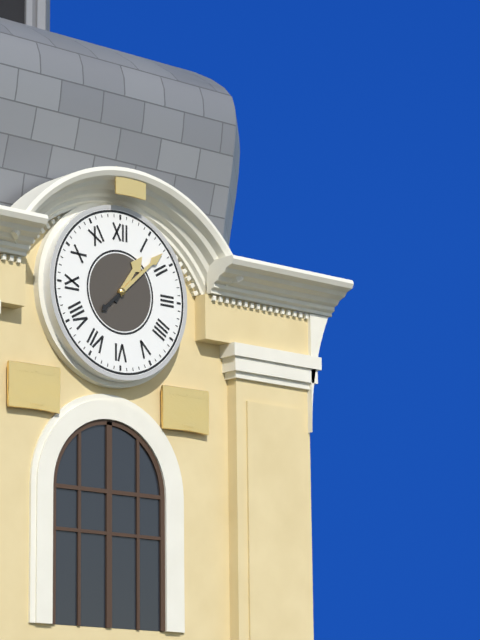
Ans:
h=1 m=8
